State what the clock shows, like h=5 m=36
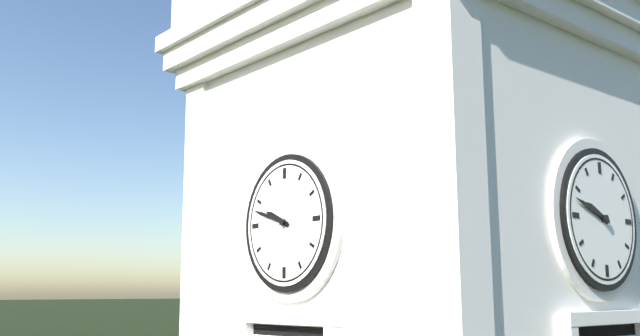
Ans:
h=9 m=48
